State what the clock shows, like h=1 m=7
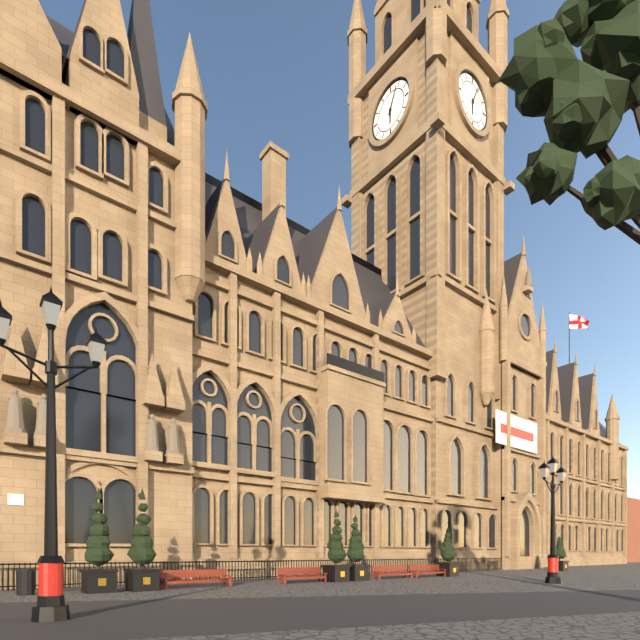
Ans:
h=6 m=4
